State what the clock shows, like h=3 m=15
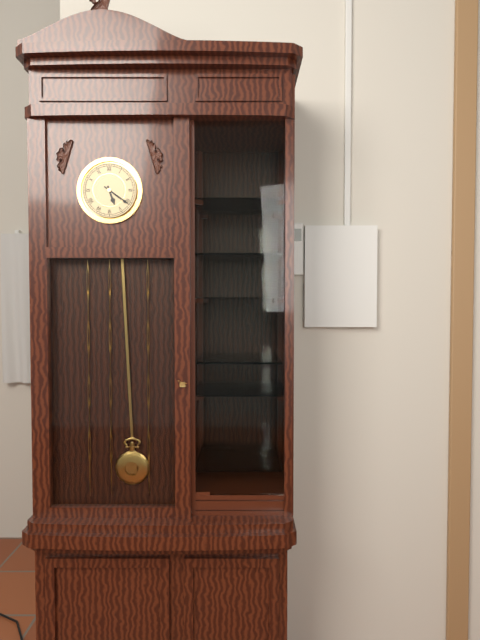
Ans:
h=5 m=21
